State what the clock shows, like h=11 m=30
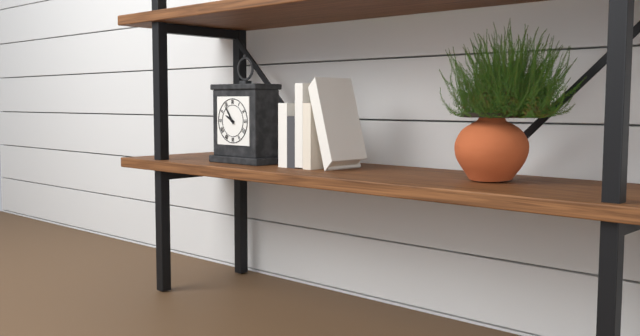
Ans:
h=9 m=54
